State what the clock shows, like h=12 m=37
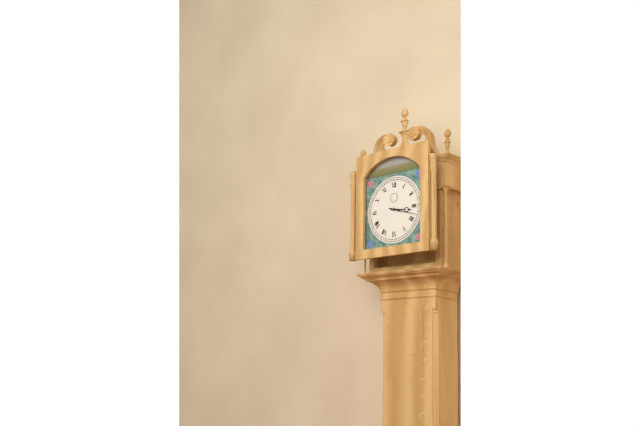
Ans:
h=3 m=18
